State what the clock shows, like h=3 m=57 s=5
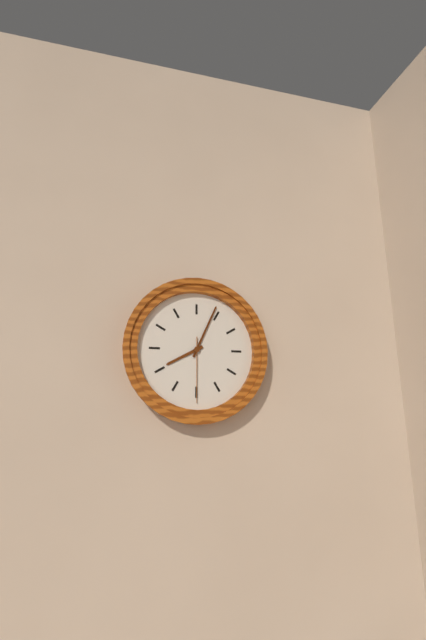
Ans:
h=8 m=4 s=30
